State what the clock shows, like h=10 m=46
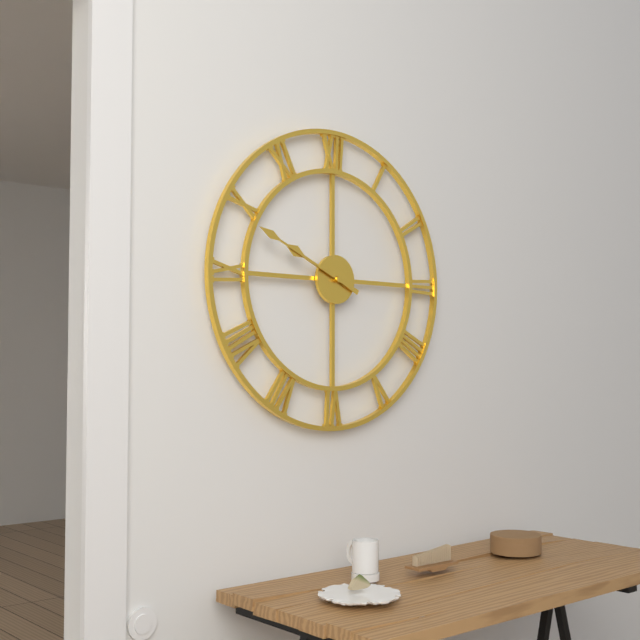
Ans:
h=9 m=49
